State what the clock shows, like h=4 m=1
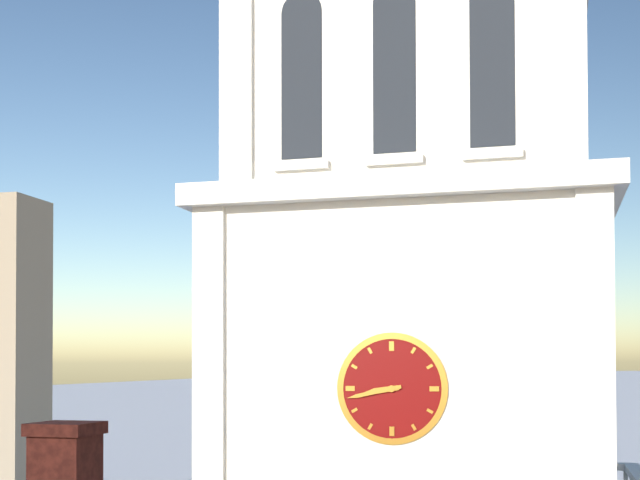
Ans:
h=8 m=43
